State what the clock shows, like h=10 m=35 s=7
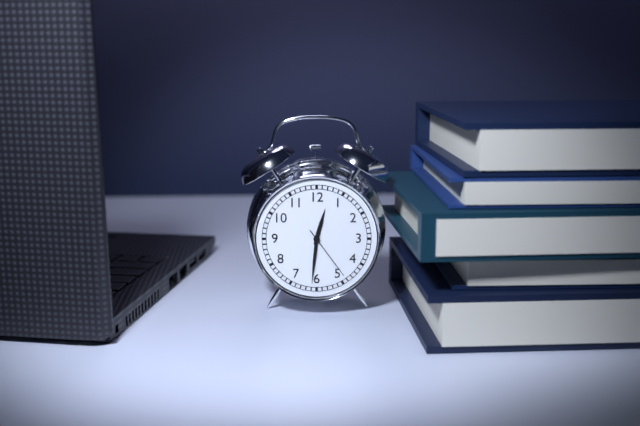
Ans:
h=12 m=31 s=24
